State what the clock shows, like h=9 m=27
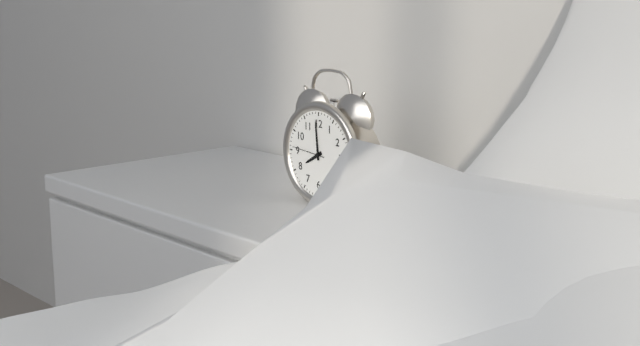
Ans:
h=7 m=59
